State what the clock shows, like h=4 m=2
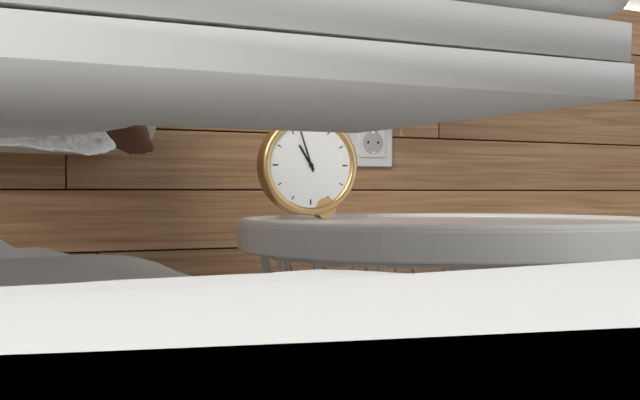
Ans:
h=10 m=57
